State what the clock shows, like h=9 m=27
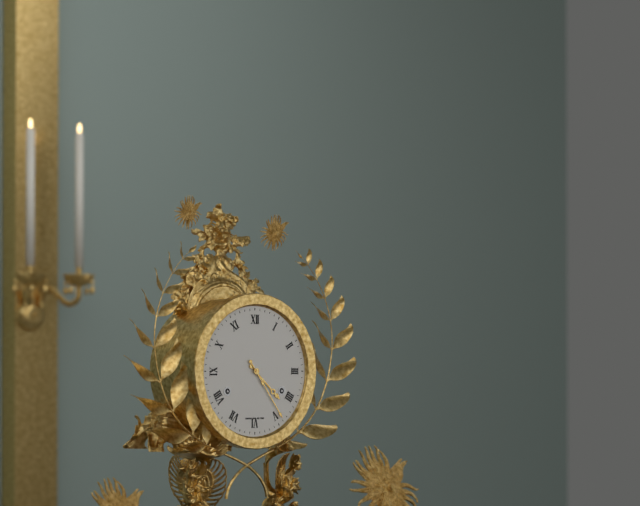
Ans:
h=4 m=24
